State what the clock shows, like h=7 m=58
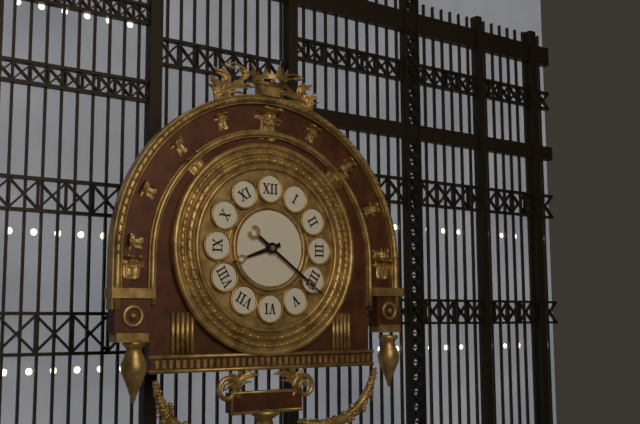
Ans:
h=8 m=21
